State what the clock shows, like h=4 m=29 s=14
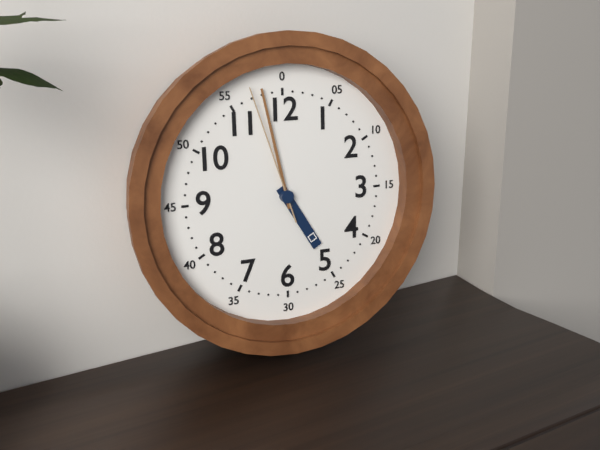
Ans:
h=4 m=58 s=57
